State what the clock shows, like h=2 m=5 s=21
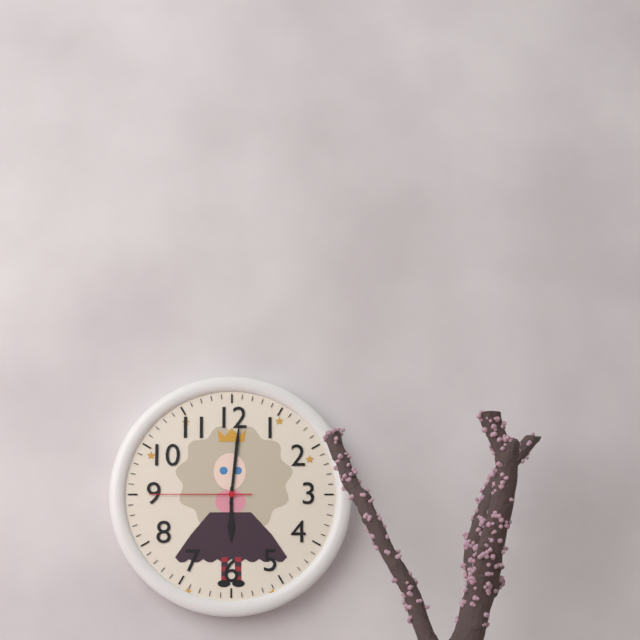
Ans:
h=6 m=1 s=45
